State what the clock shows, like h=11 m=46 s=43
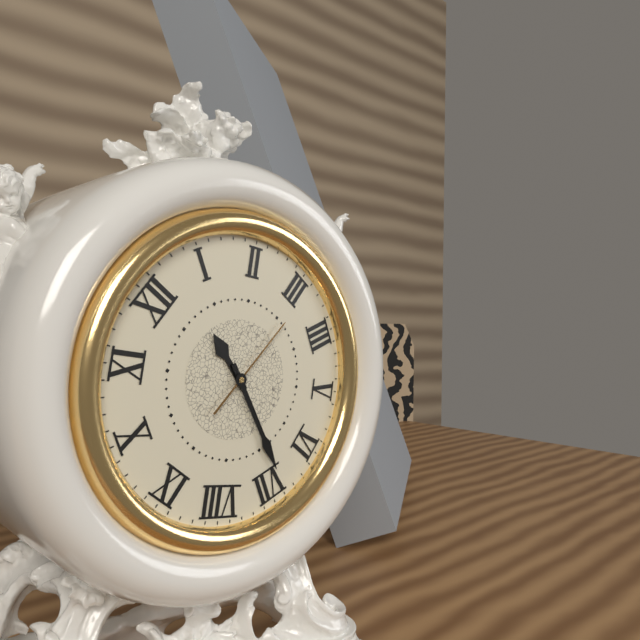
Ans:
h=12 m=34 s=16
